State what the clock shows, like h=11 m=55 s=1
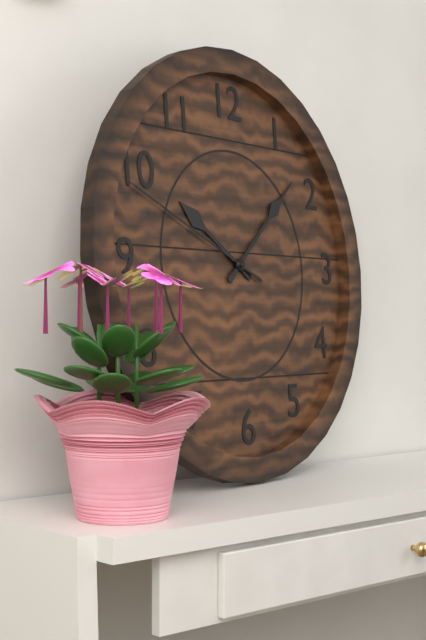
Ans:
h=10 m=8 s=49
